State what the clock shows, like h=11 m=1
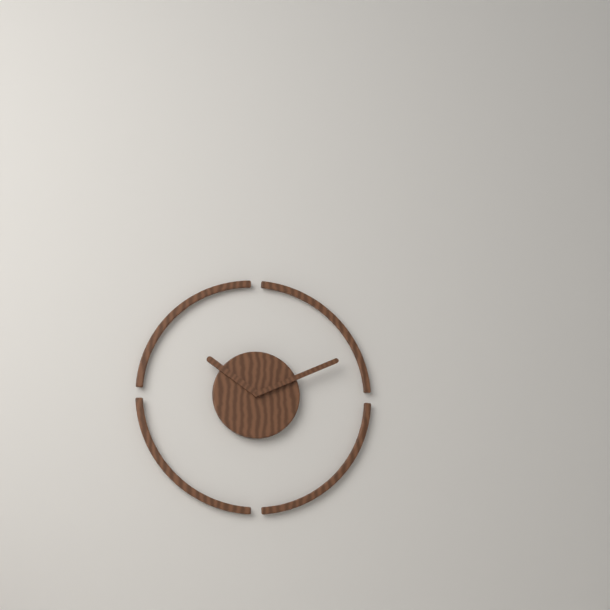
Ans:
h=10 m=11
